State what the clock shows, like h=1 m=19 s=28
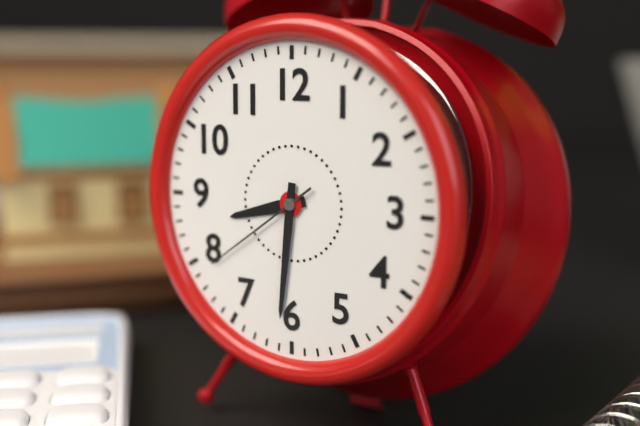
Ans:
h=8 m=31 s=39
